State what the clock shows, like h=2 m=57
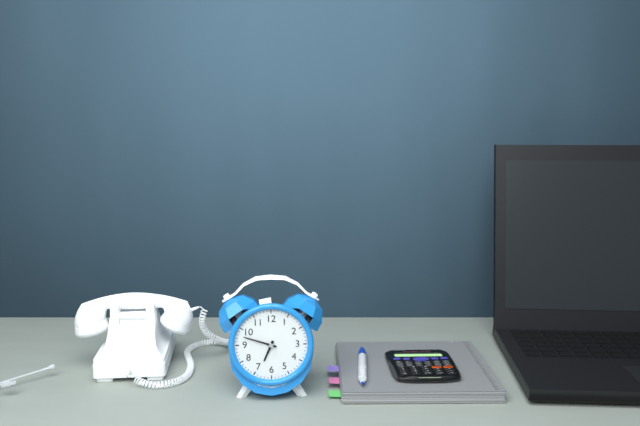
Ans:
h=6 m=48
